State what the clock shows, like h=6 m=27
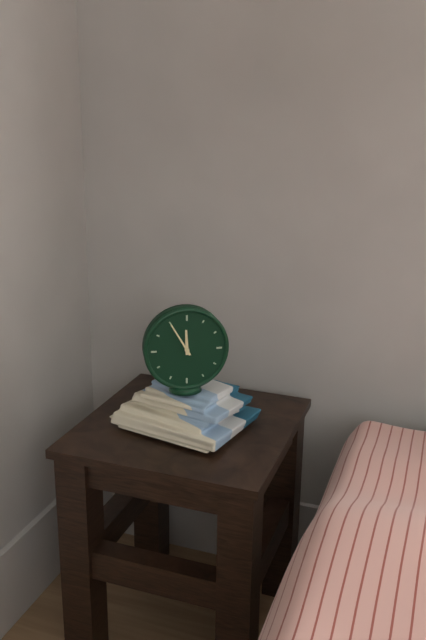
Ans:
h=11 m=55
